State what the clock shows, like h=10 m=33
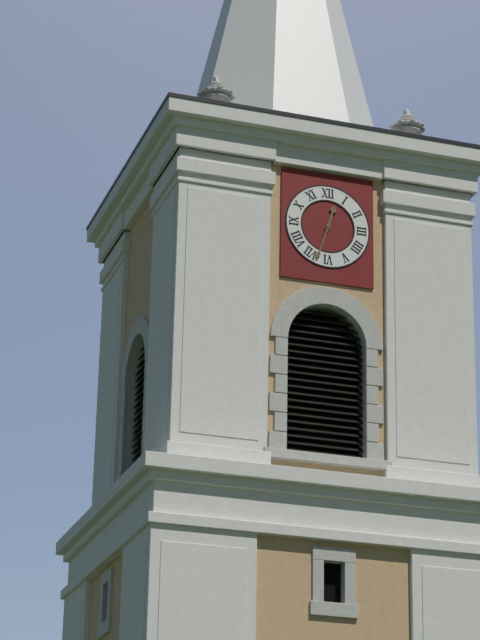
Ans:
h=12 m=33
